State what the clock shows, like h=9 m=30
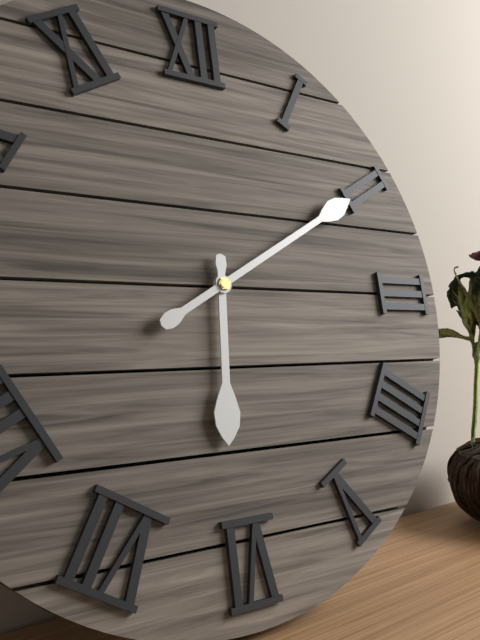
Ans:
h=6 m=10
